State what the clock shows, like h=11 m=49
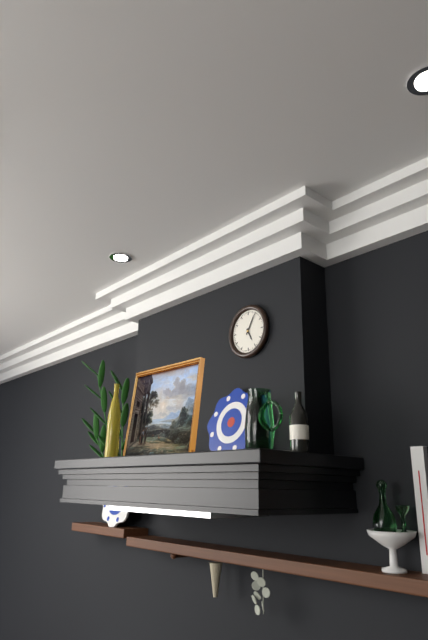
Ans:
h=5 m=5
